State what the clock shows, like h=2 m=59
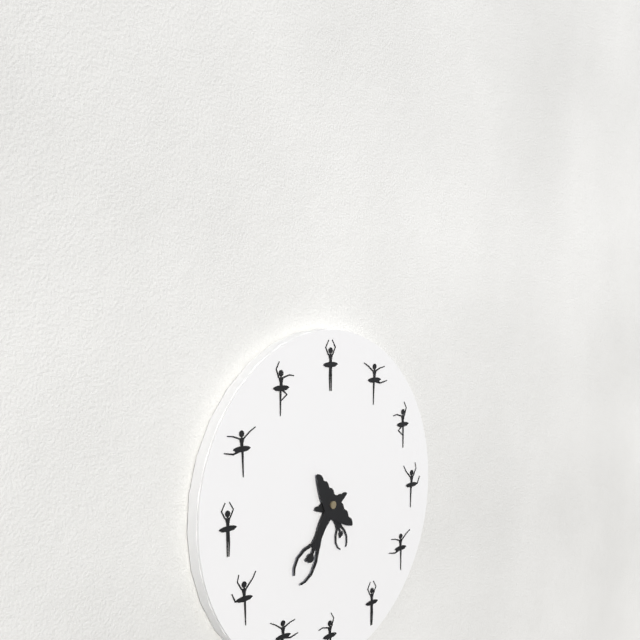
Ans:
h=5 m=38
